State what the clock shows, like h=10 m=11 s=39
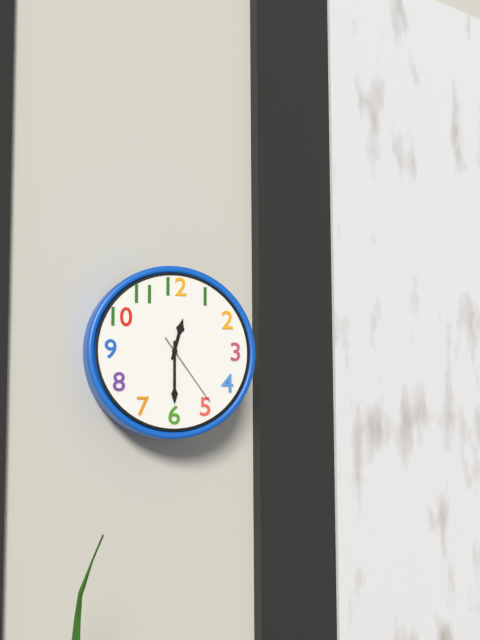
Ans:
h=12 m=30 s=24
